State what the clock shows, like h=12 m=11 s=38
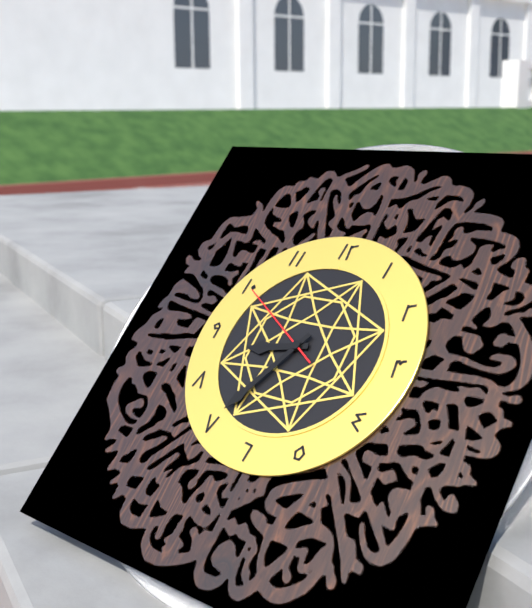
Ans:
h=8 m=35 s=50
